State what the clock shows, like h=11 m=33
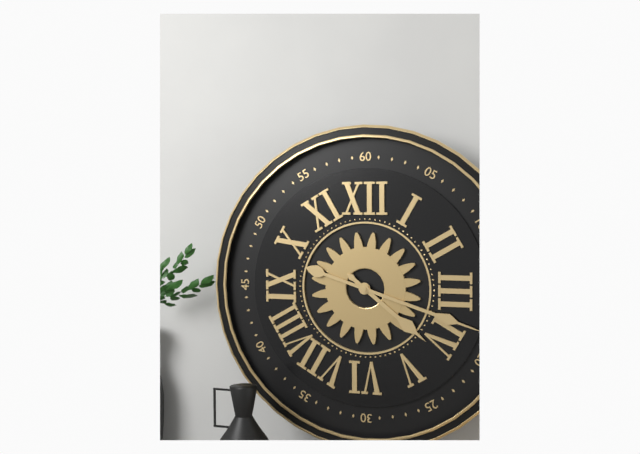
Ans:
h=4 m=18
